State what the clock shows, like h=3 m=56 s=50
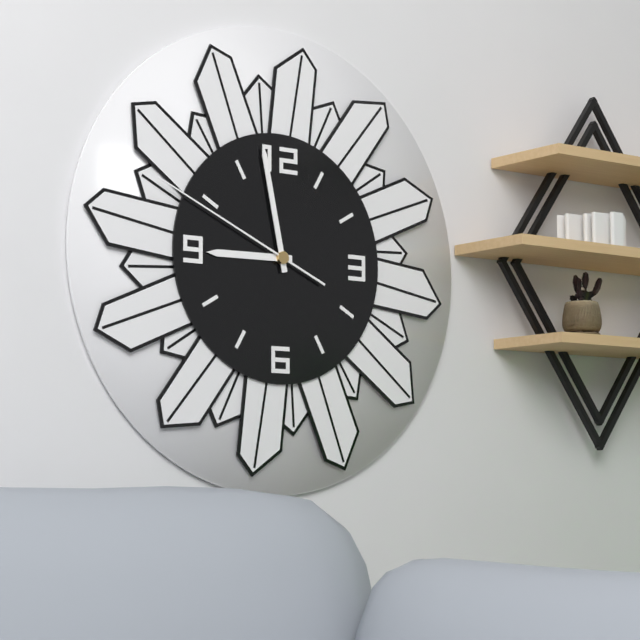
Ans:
h=8 m=58 s=49
